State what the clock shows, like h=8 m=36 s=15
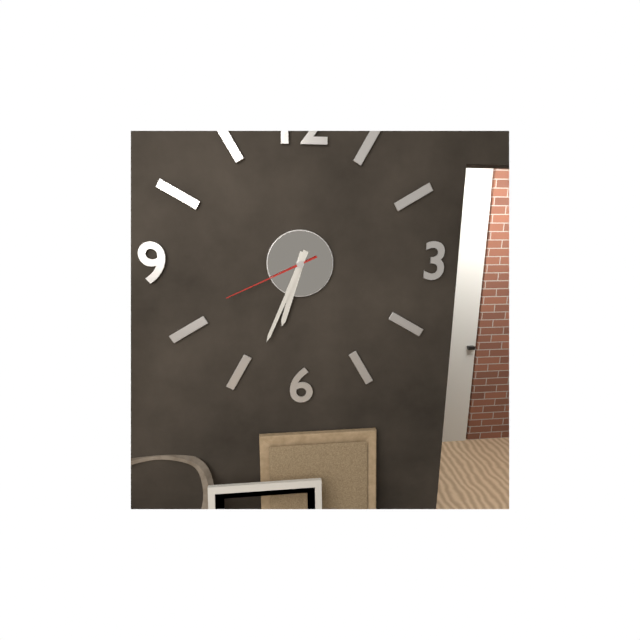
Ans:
h=6 m=34 s=41
